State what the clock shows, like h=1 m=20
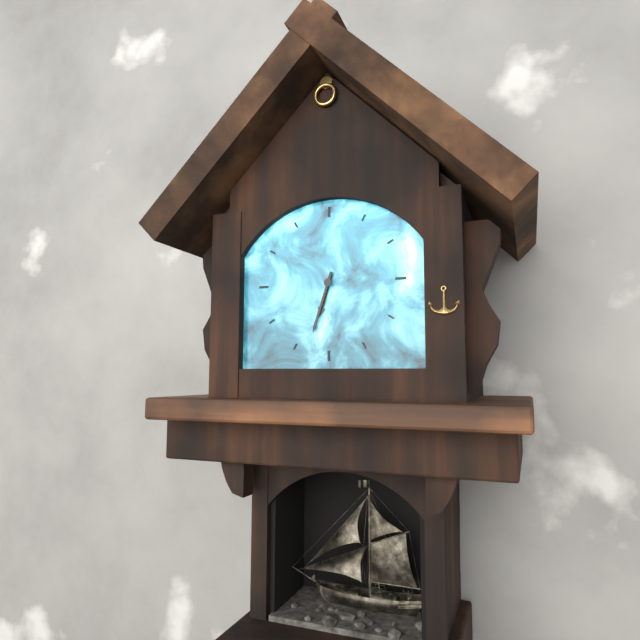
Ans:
h=6 m=33
